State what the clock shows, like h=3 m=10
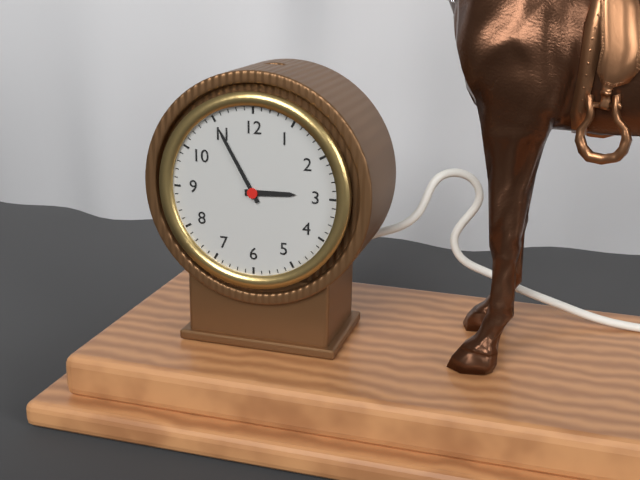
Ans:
h=2 m=55
